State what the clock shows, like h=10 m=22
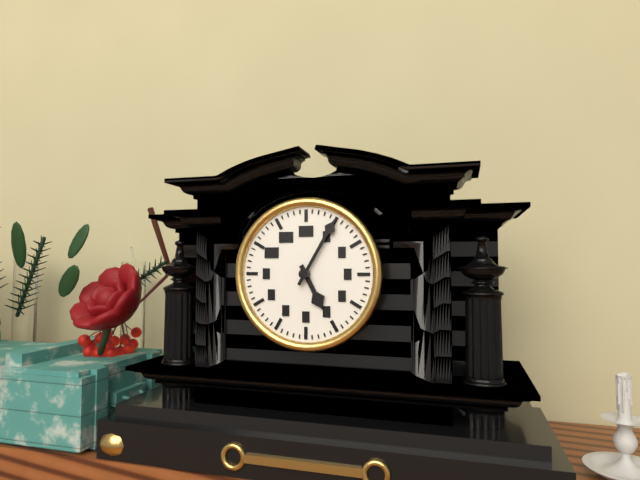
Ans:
h=5 m=5
